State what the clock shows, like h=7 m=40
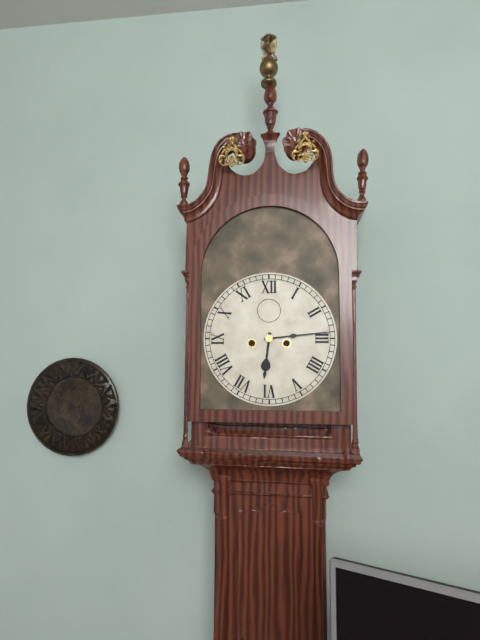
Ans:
h=6 m=14
